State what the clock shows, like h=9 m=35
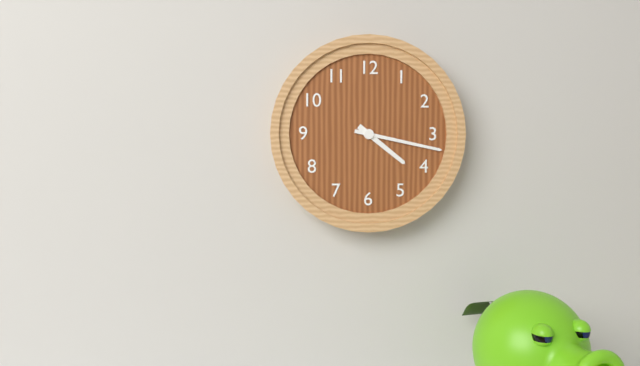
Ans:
h=4 m=17
